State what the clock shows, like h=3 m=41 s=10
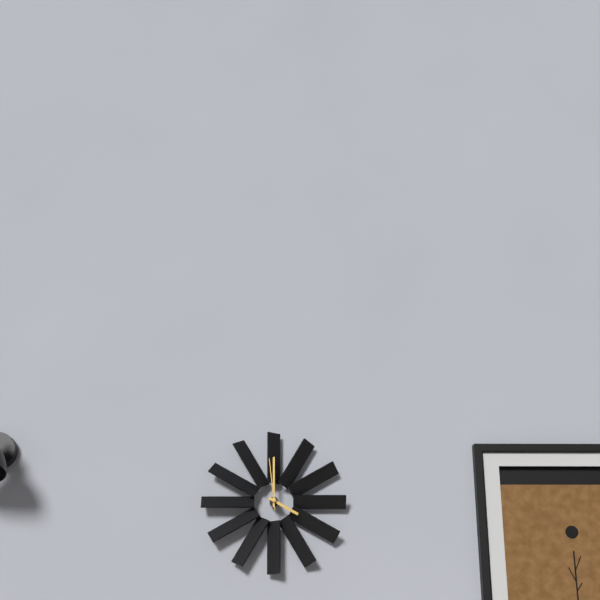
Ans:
h=4 m=0 s=59
